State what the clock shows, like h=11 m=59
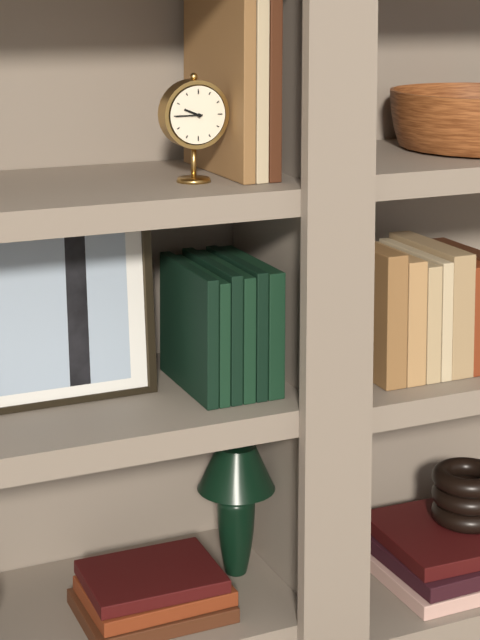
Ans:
h=9 m=45
